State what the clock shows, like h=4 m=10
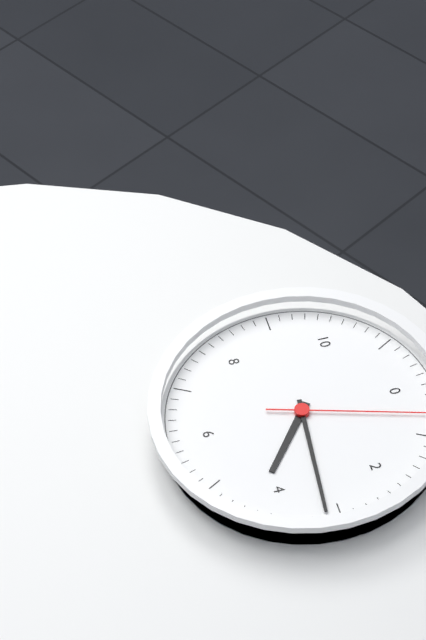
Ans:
h=4 m=16
